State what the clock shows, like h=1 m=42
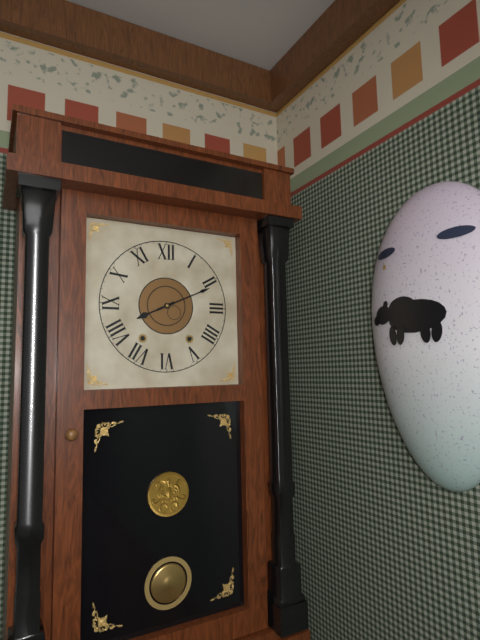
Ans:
h=8 m=11
